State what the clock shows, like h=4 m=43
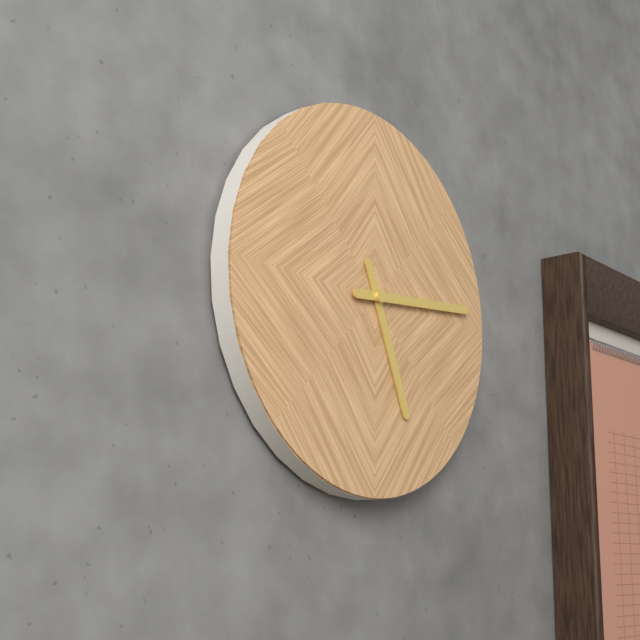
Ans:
h=5 m=14
